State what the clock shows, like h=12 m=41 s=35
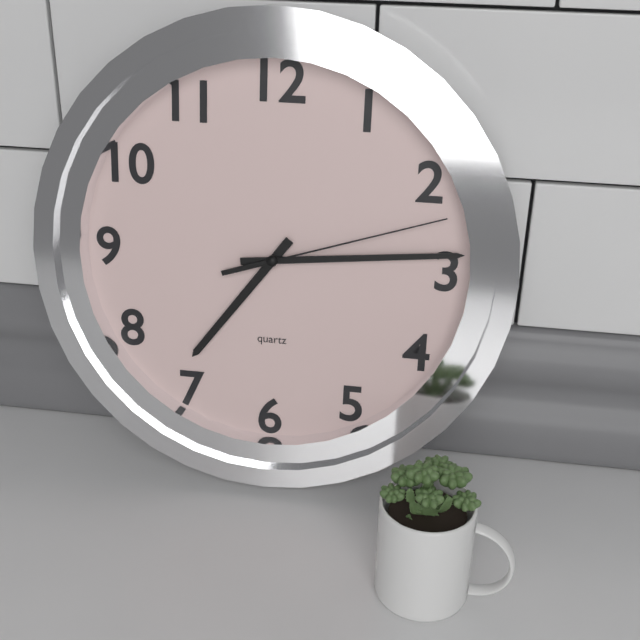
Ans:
h=7 m=14 s=12
